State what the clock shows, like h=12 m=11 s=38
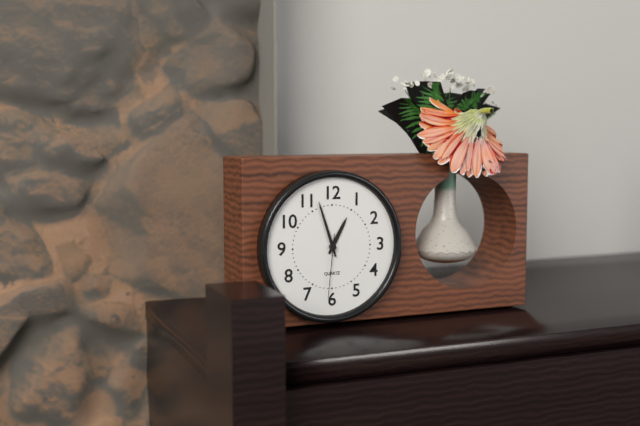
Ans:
h=12 m=57 s=31
